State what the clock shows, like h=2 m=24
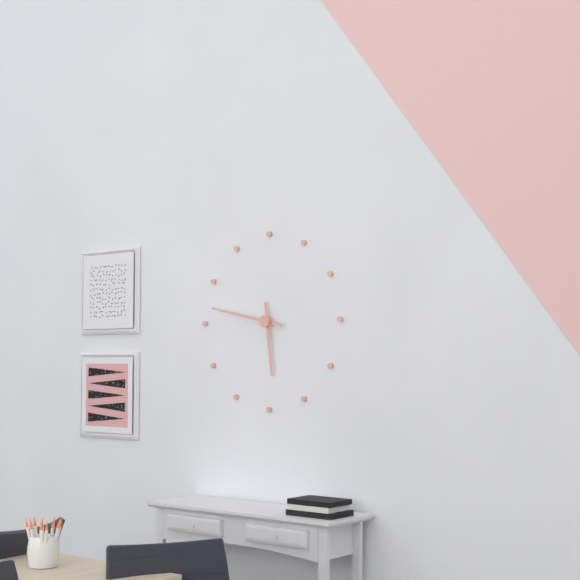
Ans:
h=5 m=47
